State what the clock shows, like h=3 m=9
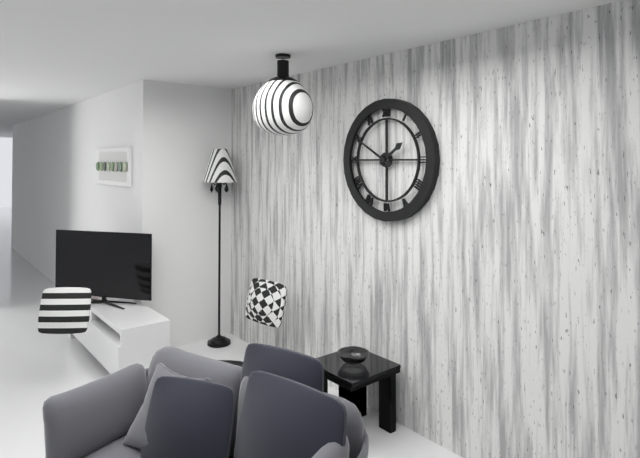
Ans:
h=1 m=50
